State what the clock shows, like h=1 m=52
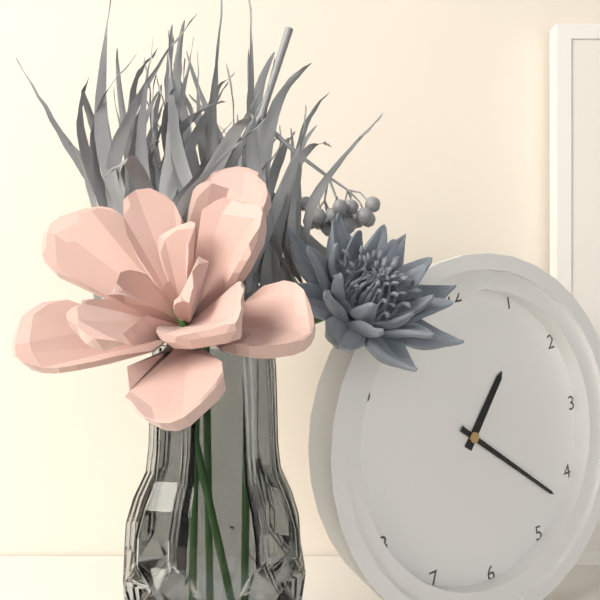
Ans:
h=1 m=22
